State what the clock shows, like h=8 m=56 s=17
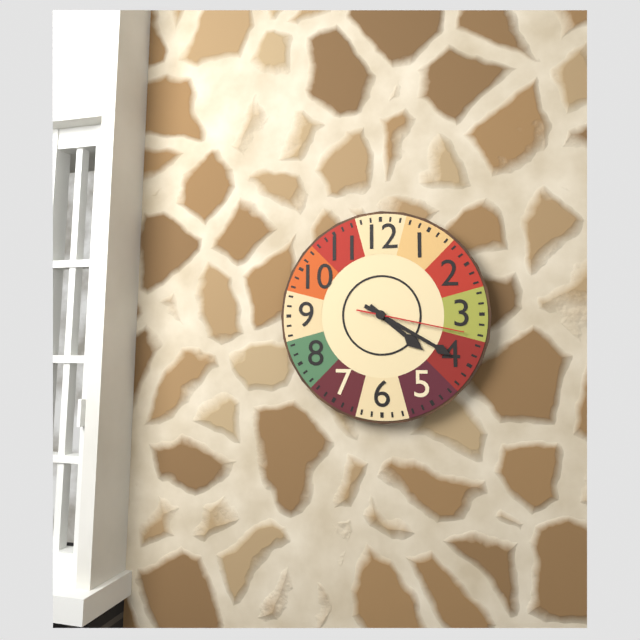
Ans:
h=4 m=20 s=17
